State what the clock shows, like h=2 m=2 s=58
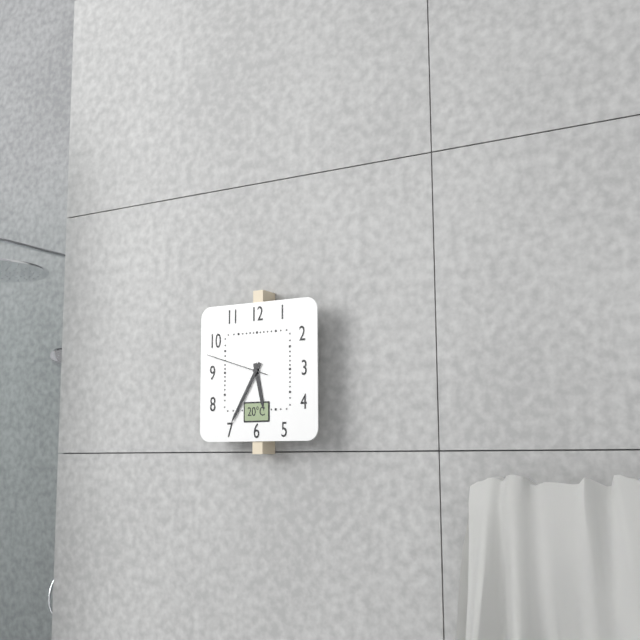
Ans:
h=5 m=35 s=48
